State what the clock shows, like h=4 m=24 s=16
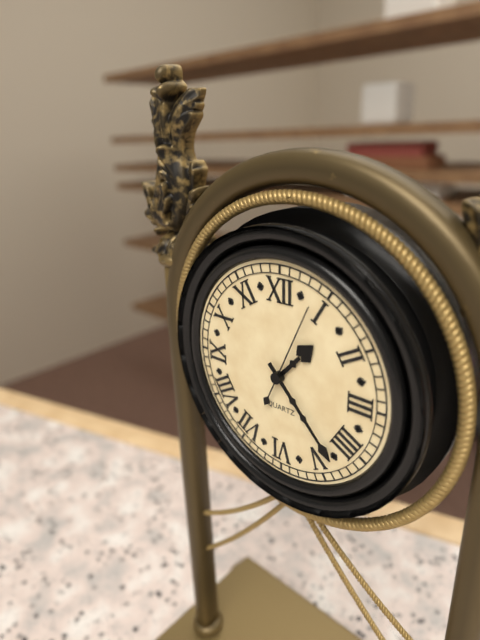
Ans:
h=1 m=23 s=4
